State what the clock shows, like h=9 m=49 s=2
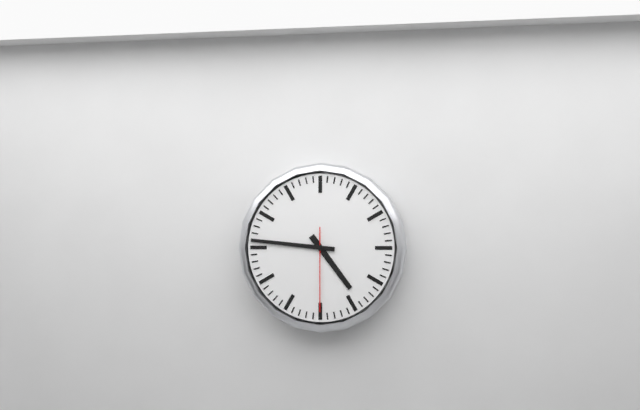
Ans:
h=4 m=46 s=30
